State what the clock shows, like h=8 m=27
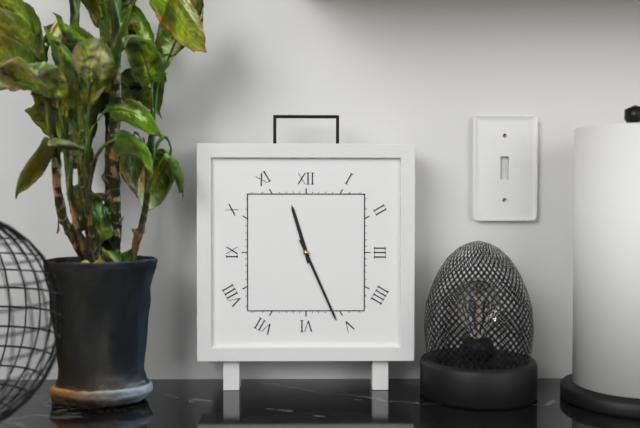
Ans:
h=11 m=26
